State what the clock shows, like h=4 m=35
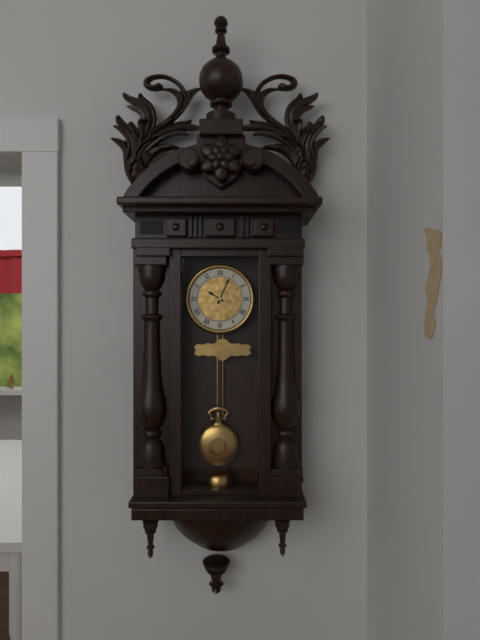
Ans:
h=10 m=4
